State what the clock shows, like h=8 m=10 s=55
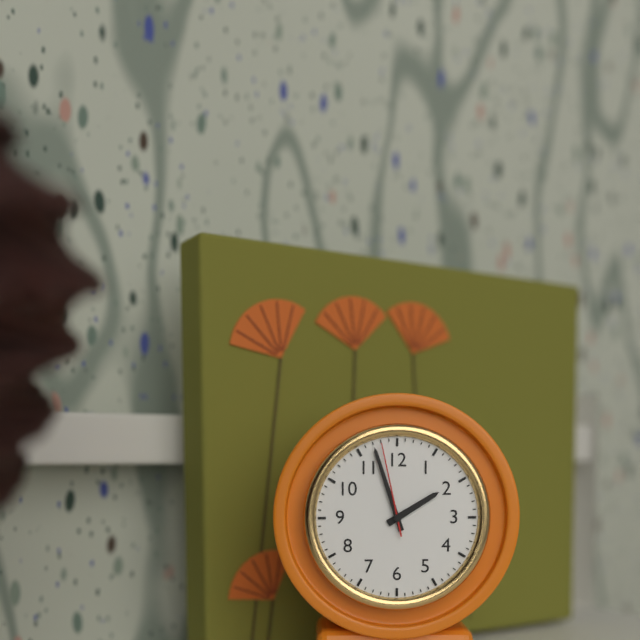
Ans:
h=1 m=57 s=58
